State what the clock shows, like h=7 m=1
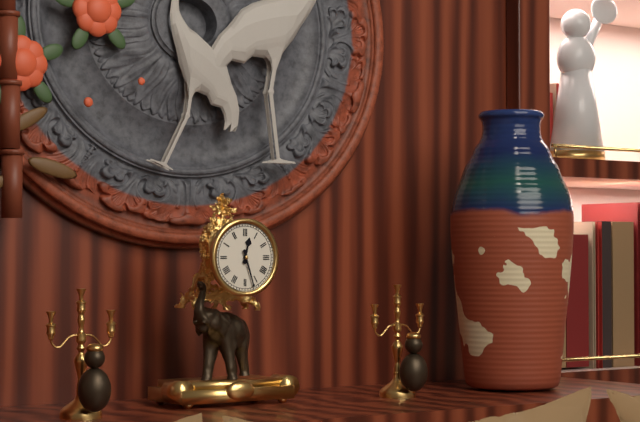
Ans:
h=12 m=27
